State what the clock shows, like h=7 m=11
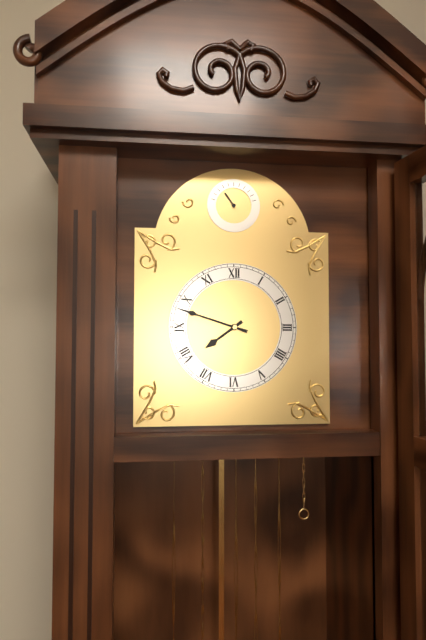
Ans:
h=7 m=48
